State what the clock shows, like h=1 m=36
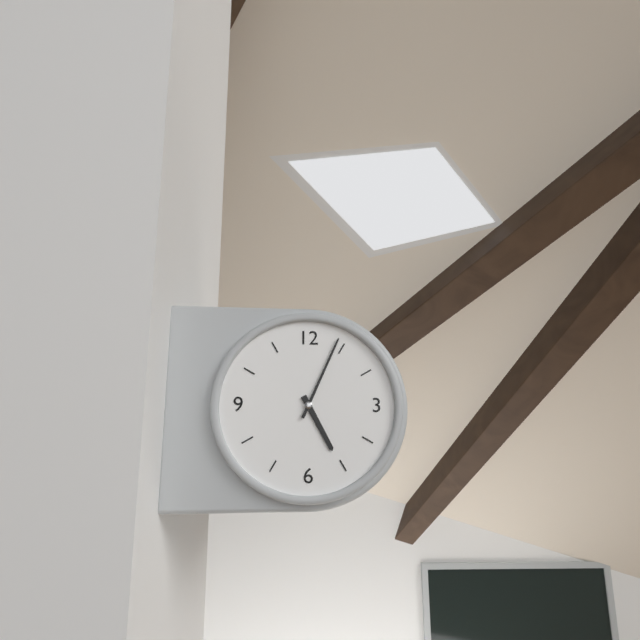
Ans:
h=5 m=4
